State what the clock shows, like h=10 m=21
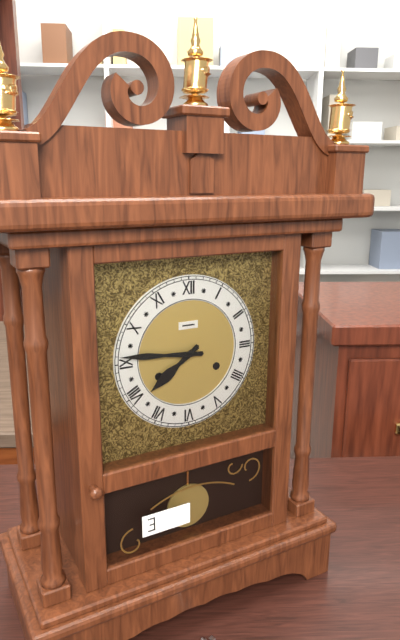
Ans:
h=7 m=46
